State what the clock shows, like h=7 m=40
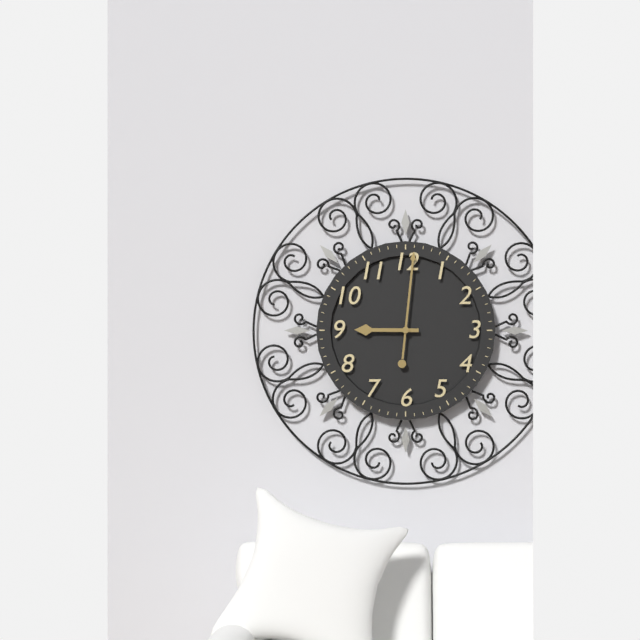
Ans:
h=9 m=1
